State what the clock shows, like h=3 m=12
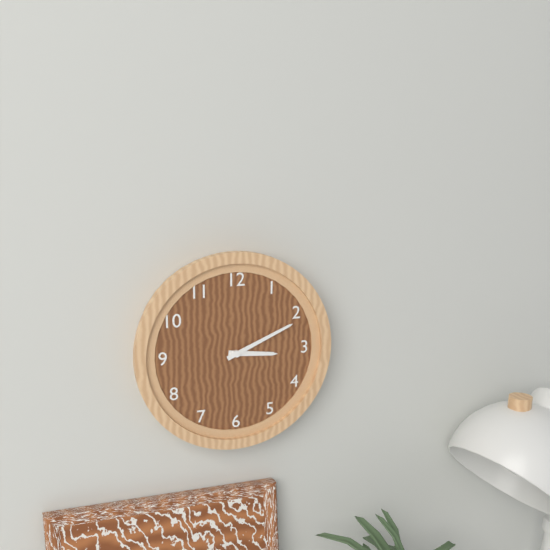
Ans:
h=3 m=11
